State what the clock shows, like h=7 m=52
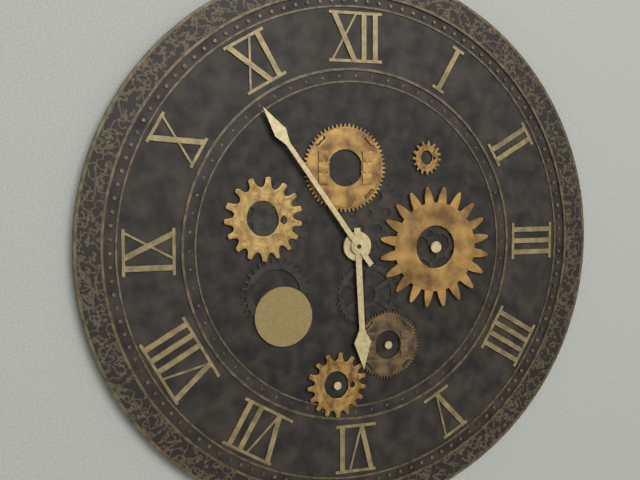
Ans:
h=5 m=54
